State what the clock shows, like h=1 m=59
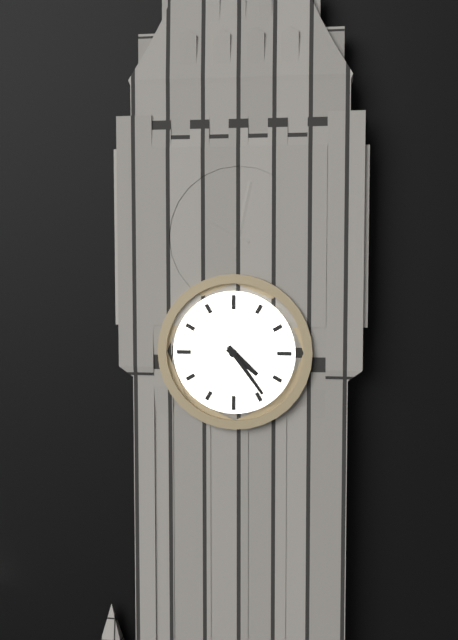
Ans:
h=4 m=24
